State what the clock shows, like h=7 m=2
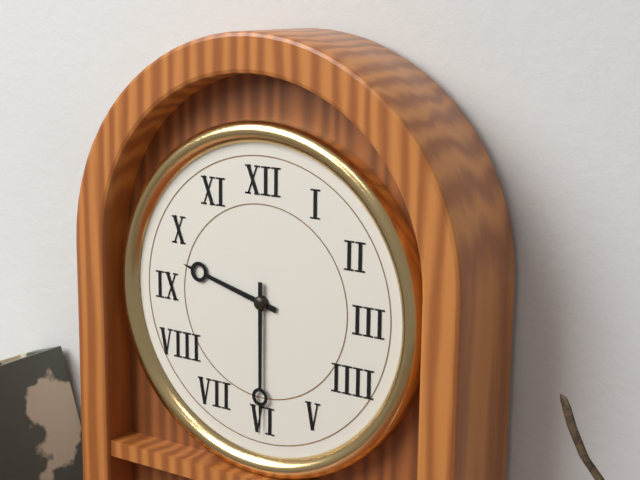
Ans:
h=9 m=30
